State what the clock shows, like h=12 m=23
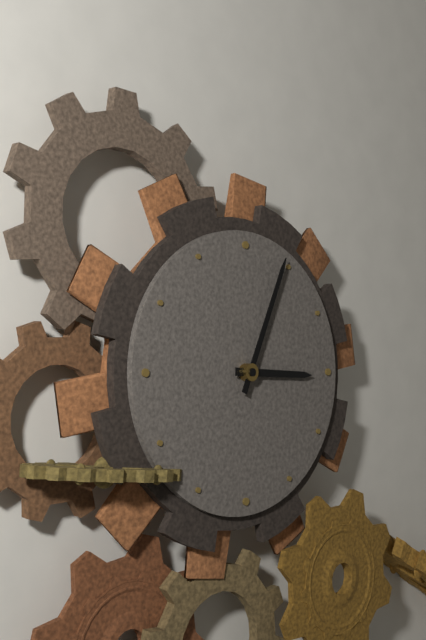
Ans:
h=3 m=4
